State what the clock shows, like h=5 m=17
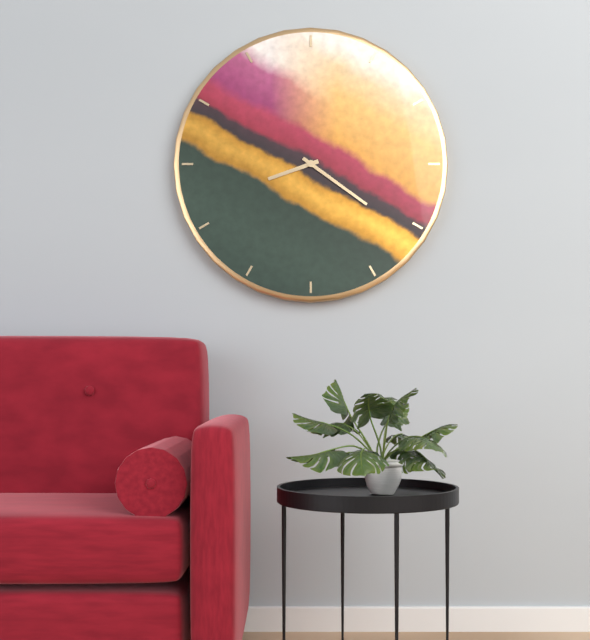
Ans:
h=8 m=21
